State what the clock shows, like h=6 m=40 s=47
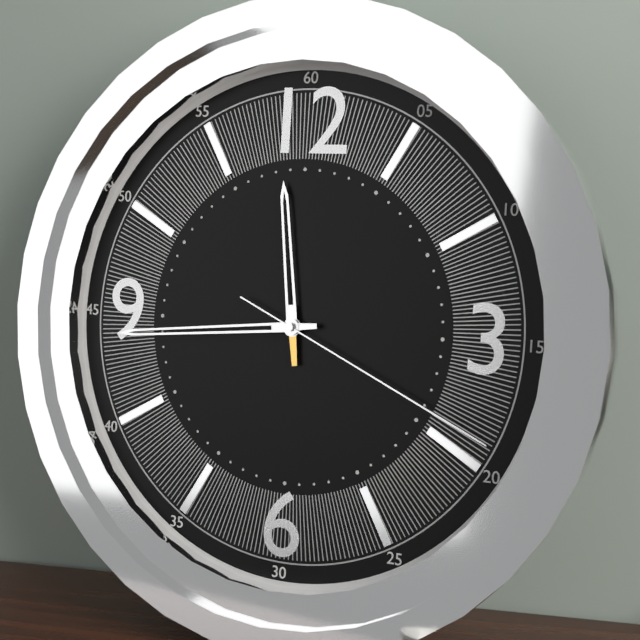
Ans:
h=11 m=44 s=19
